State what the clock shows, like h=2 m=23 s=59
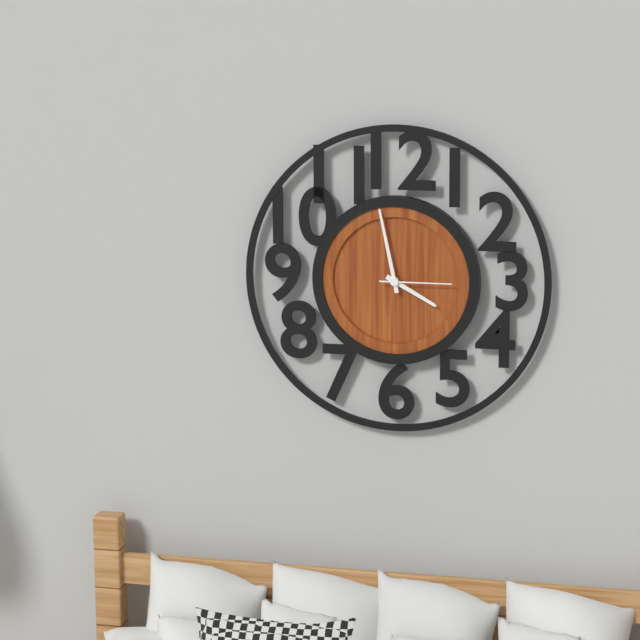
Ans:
h=3 m=58 s=15
